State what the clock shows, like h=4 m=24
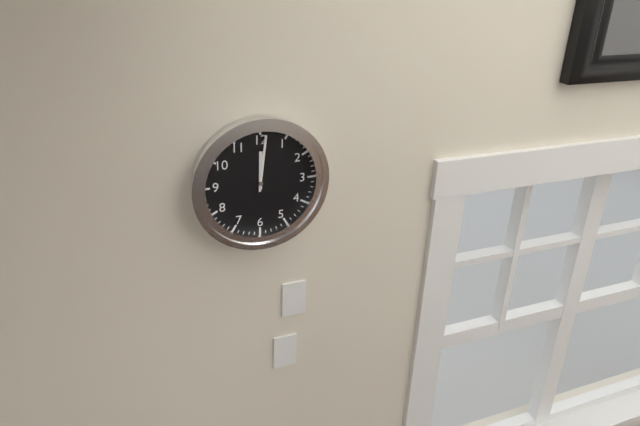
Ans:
h=12 m=1
